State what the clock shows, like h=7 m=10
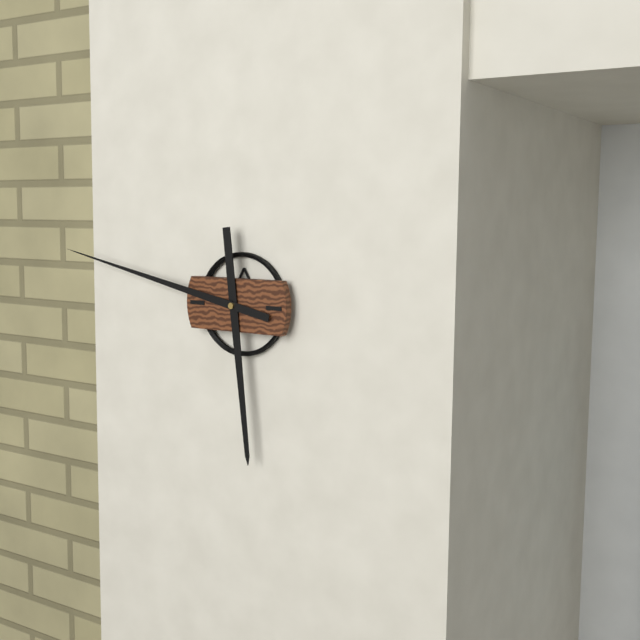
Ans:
h=5 m=47
